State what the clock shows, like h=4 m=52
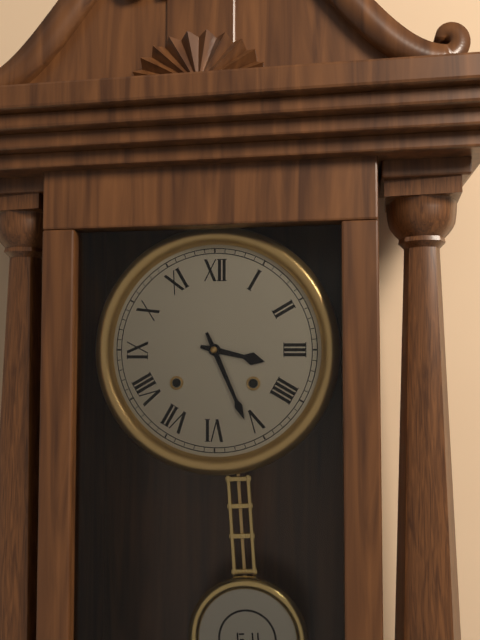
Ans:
h=3 m=26
